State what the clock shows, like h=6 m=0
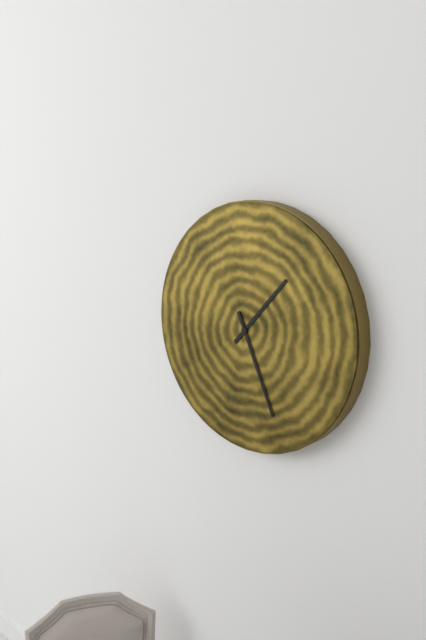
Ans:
h=1 m=26
